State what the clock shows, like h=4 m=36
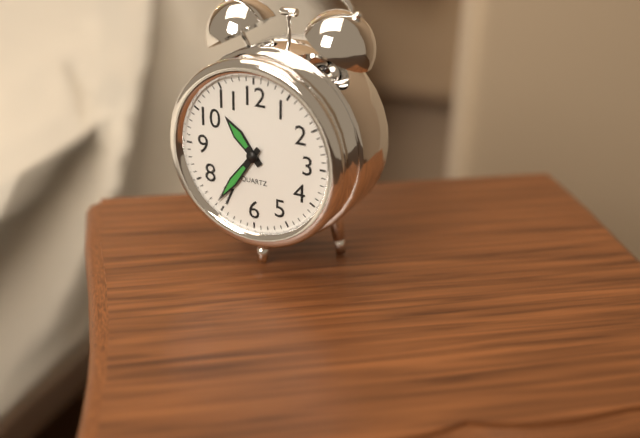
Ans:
h=10 m=36
